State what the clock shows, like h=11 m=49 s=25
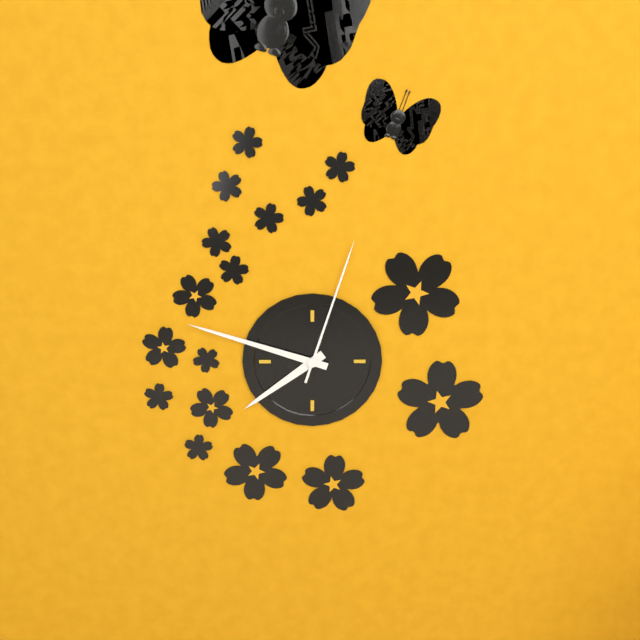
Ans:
h=7 m=48 s=3
